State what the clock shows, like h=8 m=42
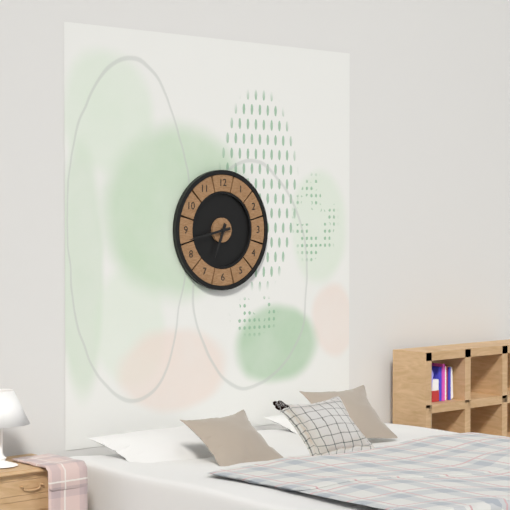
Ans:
h=6 m=43
